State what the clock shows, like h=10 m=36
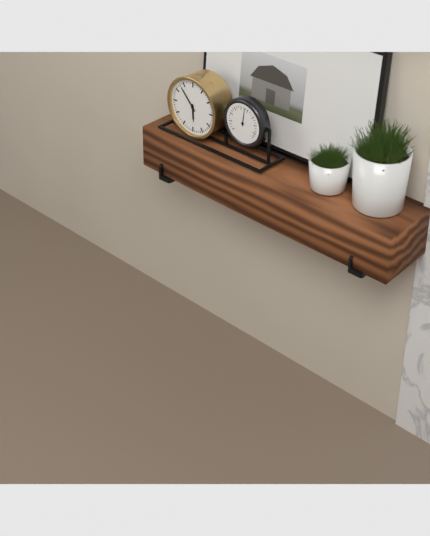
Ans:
h=5 m=53
